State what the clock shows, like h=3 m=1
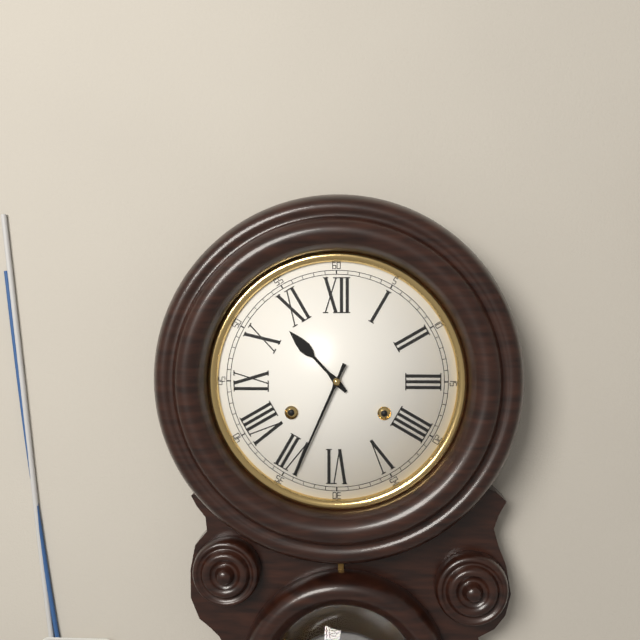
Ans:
h=10 m=34
